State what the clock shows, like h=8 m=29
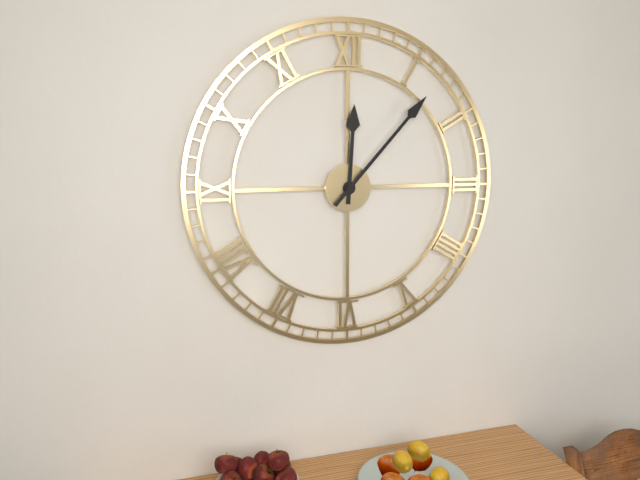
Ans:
h=12 m=7
